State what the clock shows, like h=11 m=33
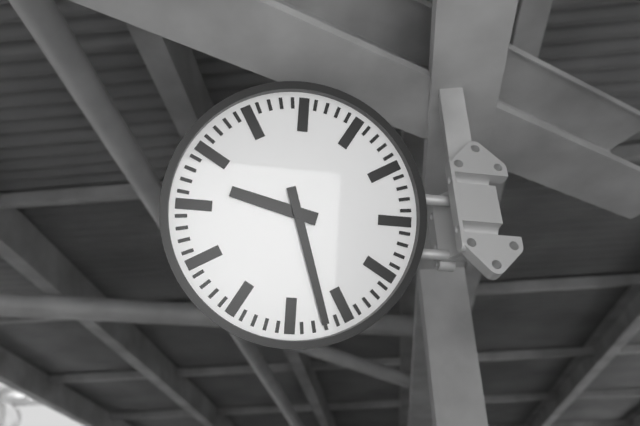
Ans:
h=9 m=27
